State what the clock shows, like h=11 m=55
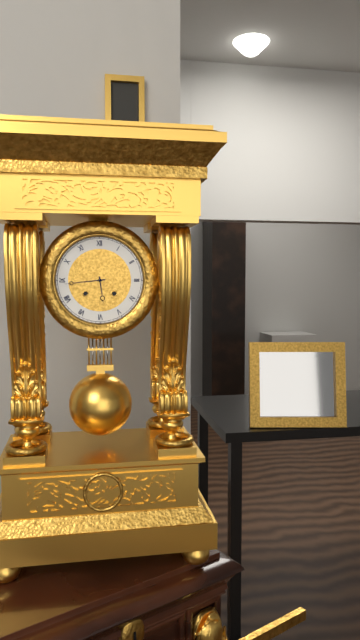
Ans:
h=5 m=44
